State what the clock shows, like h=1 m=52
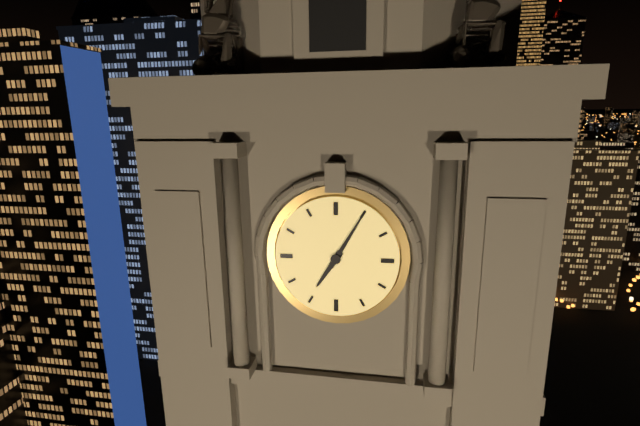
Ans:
h=7 m=5
